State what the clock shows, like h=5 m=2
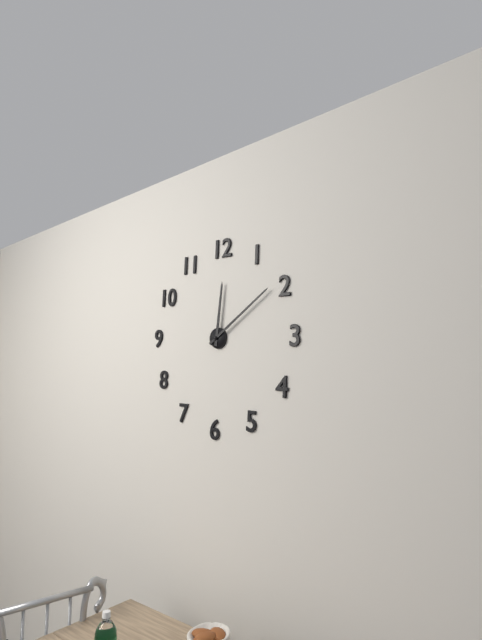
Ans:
h=12 m=9
